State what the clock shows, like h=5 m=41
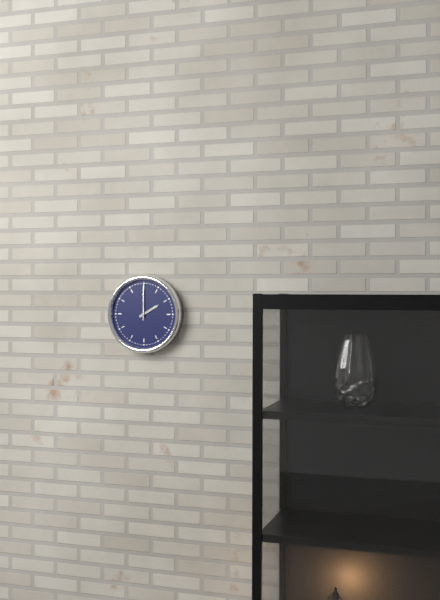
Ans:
h=2 m=0
